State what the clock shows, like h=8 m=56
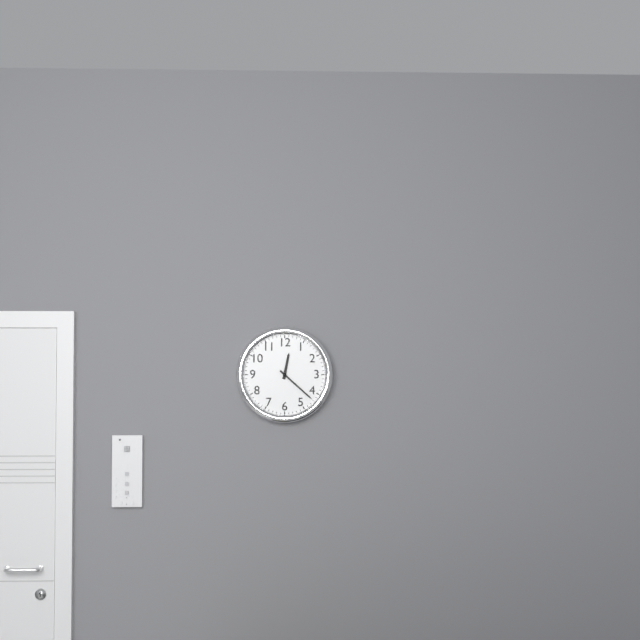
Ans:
h=12 m=22
